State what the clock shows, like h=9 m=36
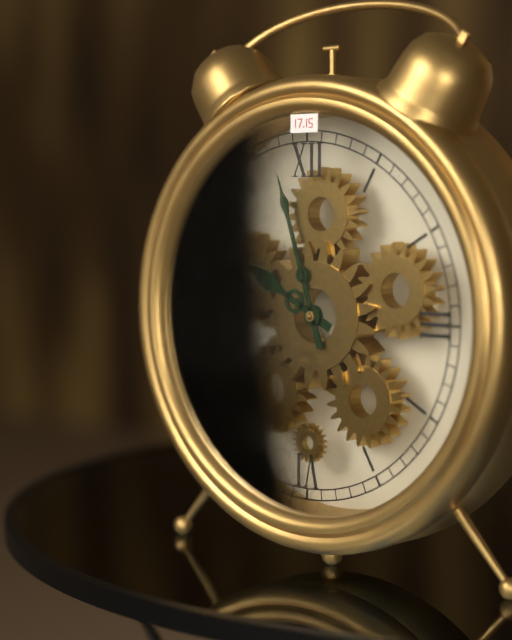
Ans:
h=9 m=57
